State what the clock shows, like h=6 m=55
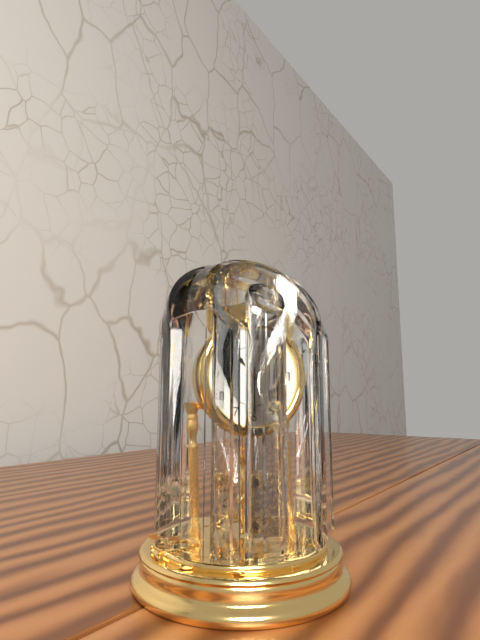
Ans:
h=10 m=30
